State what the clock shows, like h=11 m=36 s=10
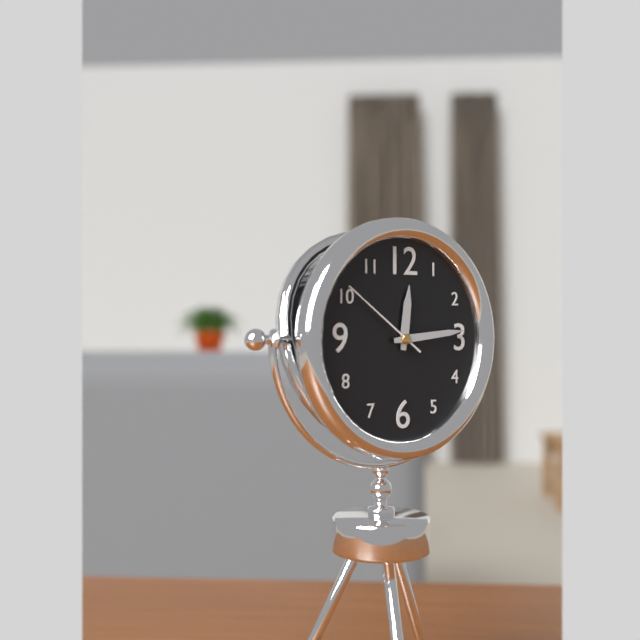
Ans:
h=12 m=14 s=51
